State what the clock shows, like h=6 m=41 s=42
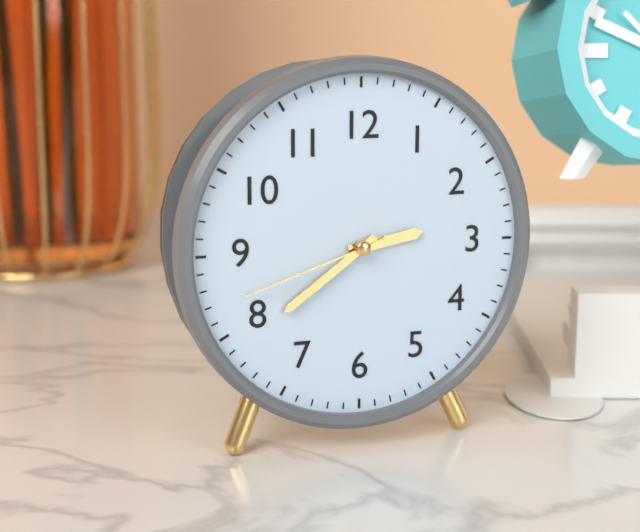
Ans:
h=2 m=39 s=42
